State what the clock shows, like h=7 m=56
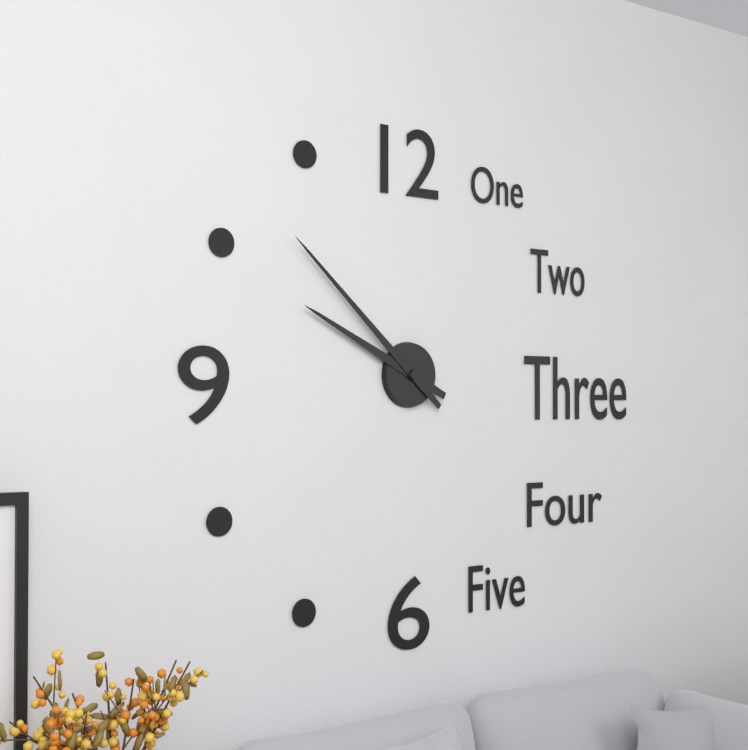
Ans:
h=9 m=52
